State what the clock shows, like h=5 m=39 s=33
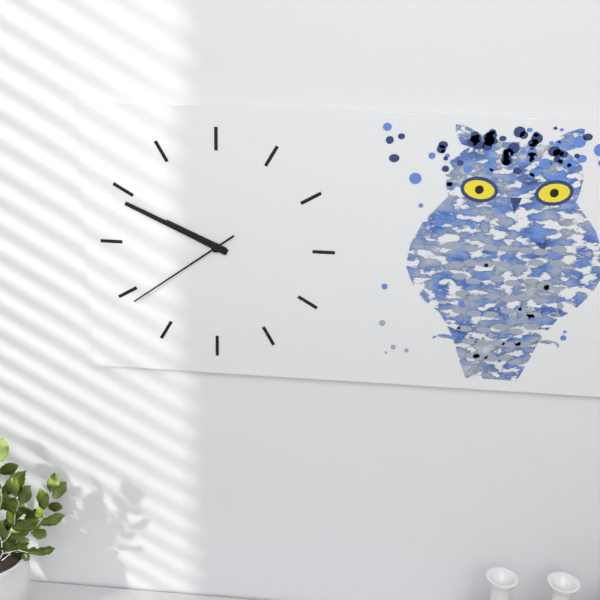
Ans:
h=9 m=49 s=39
